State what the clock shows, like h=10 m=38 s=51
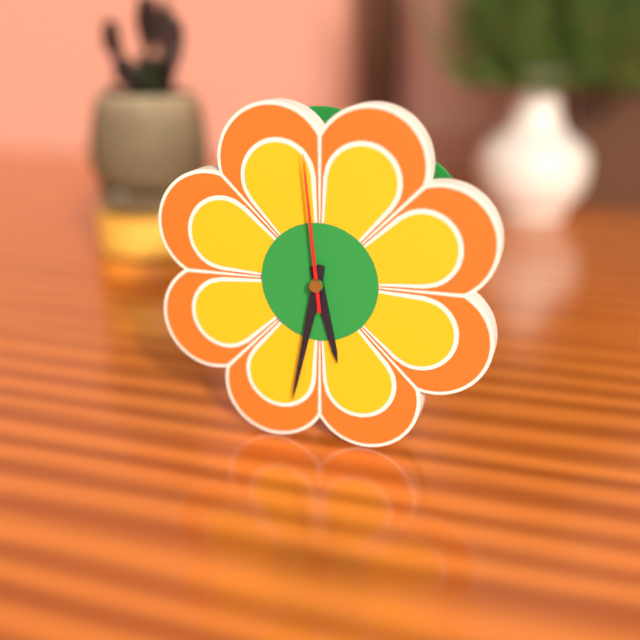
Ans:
h=5 m=32 s=59
